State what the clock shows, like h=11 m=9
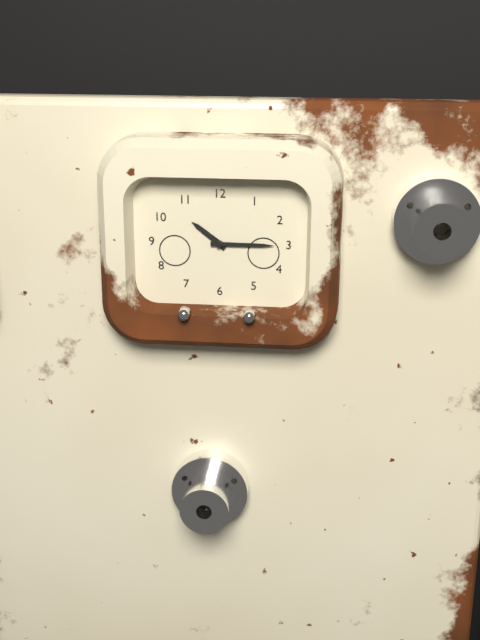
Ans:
h=10 m=15
